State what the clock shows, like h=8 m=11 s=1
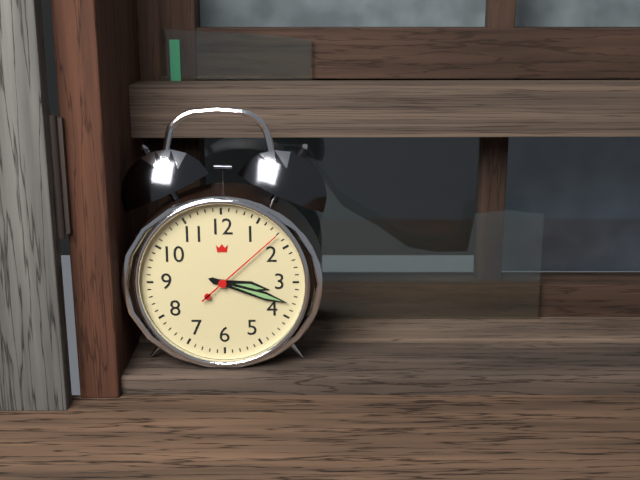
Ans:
h=3 m=18 s=8
